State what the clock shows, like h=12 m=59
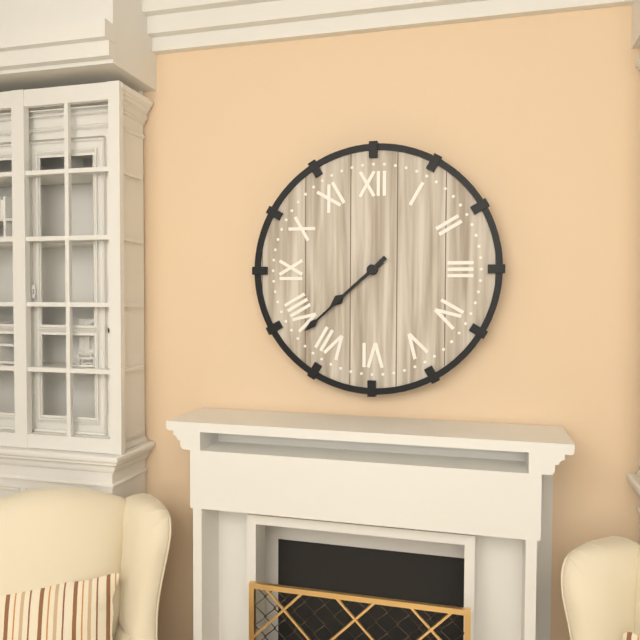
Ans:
h=7 m=38
